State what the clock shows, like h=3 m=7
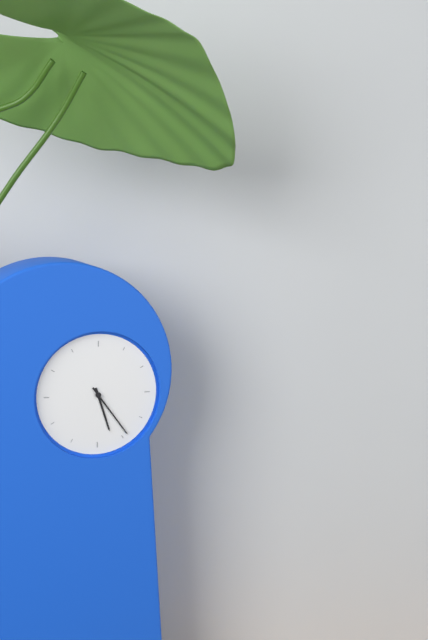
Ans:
h=5 m=24
